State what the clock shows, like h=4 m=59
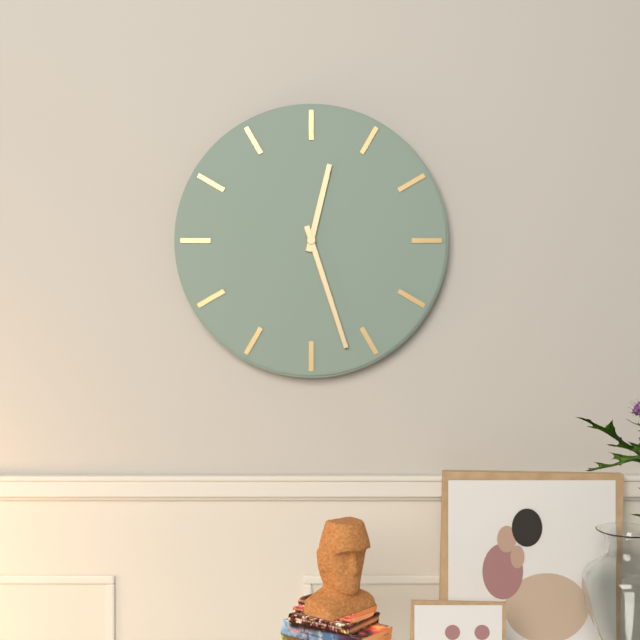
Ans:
h=12 m=27
